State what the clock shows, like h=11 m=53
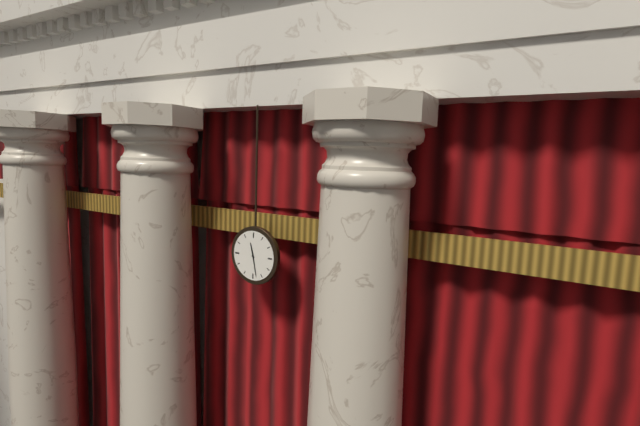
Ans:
h=11 m=28
